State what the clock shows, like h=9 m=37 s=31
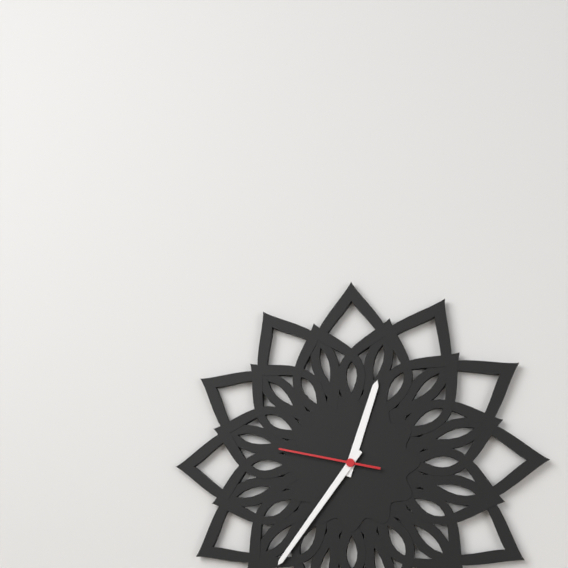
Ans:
h=12 m=36 s=47
